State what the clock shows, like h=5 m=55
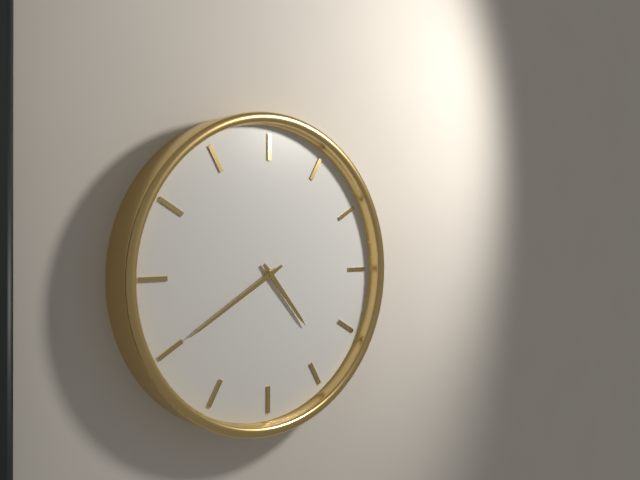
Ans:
h=4 m=40
